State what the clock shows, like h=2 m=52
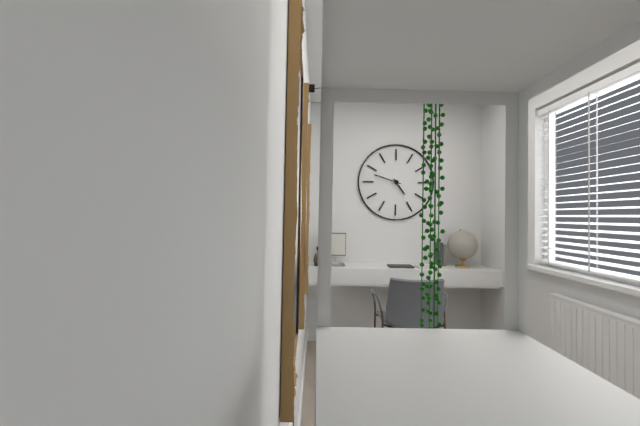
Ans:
h=4 m=48
